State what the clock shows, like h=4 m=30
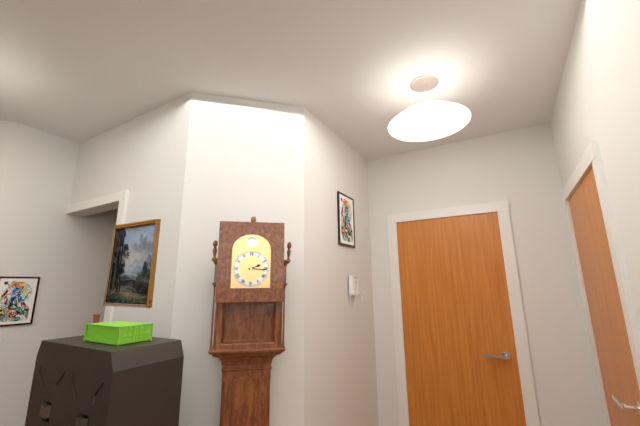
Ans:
h=2 m=16
